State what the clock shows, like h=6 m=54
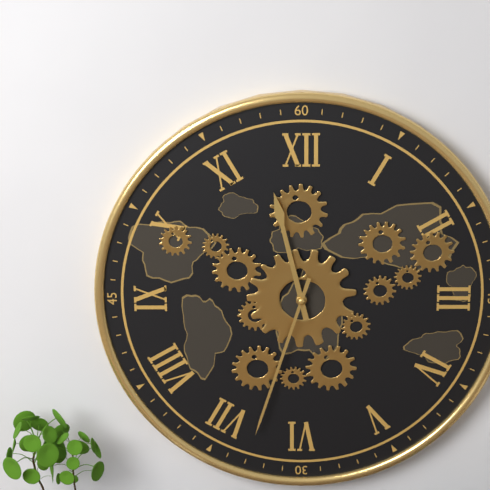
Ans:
h=11 m=33
